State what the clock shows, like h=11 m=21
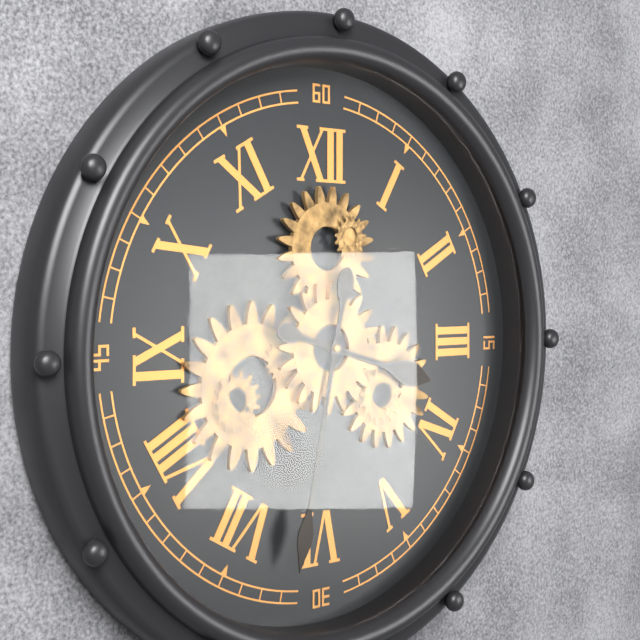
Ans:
h=3 m=32
